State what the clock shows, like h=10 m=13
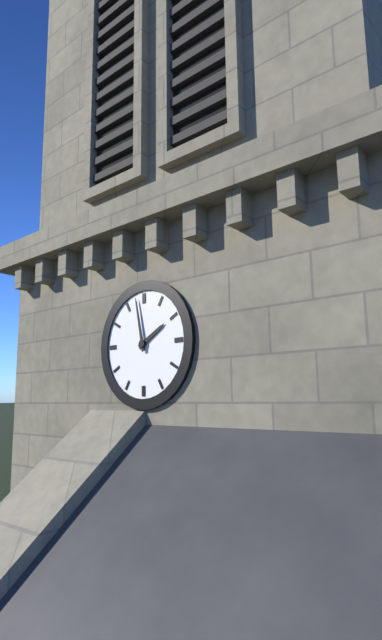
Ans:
h=1 m=58
